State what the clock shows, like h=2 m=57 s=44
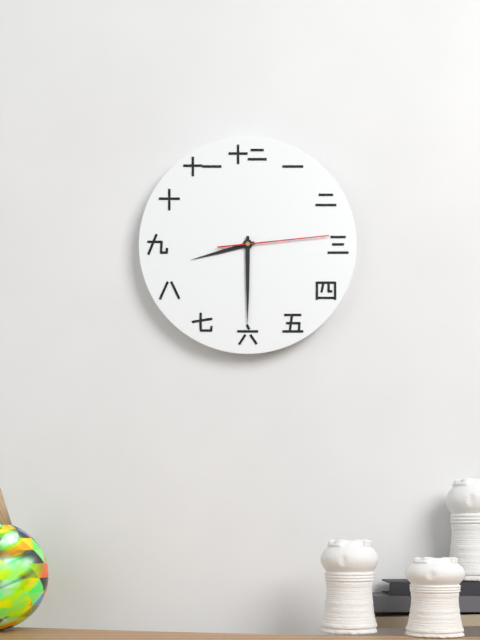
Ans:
h=8 m=30 s=14
